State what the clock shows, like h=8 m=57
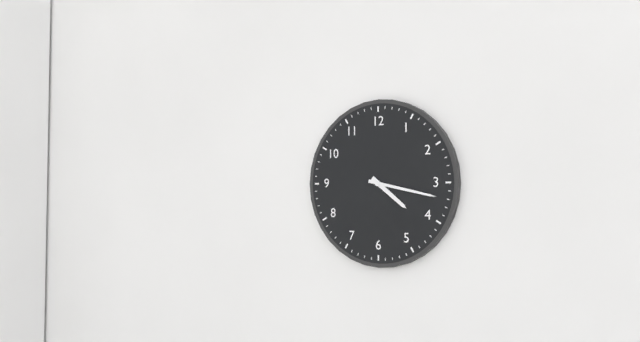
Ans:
h=4 m=17
